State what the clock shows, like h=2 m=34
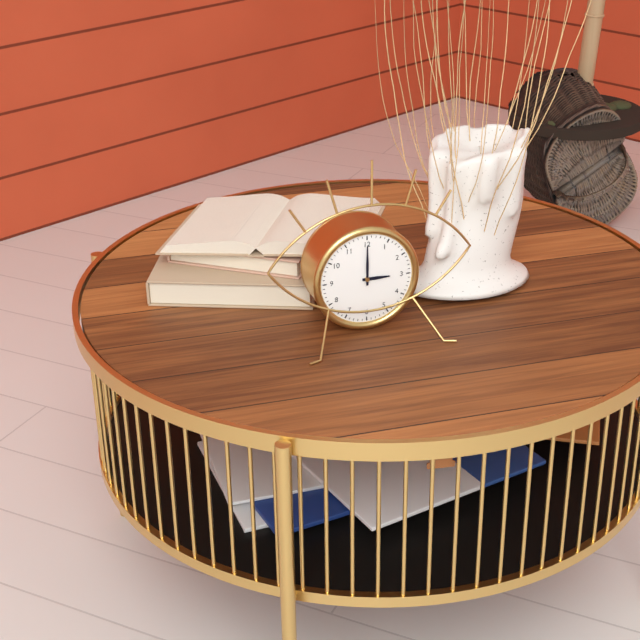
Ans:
h=3 m=0
